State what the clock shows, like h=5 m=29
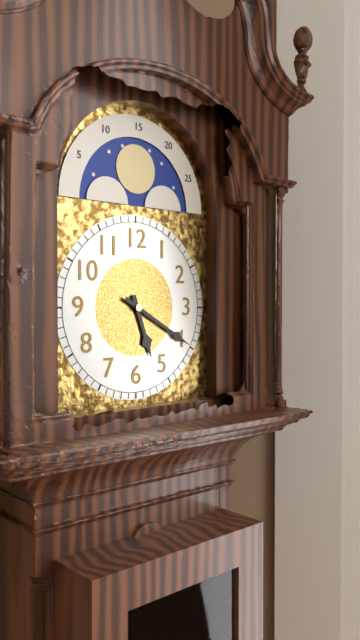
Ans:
h=5 m=20
